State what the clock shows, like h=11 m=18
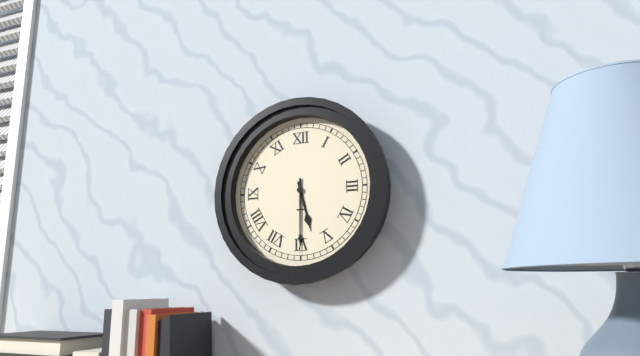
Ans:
h=5 m=30
